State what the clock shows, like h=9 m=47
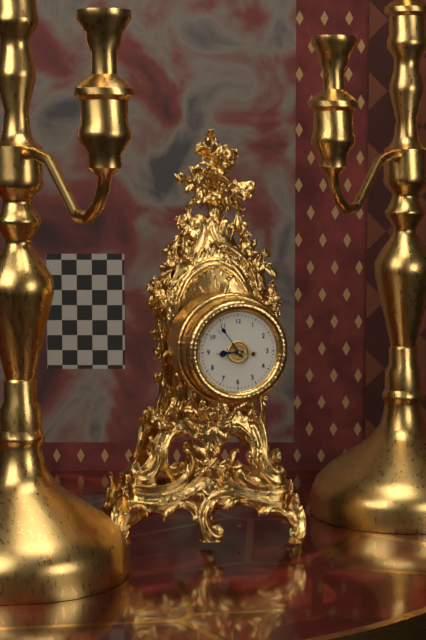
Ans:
h=8 m=54
